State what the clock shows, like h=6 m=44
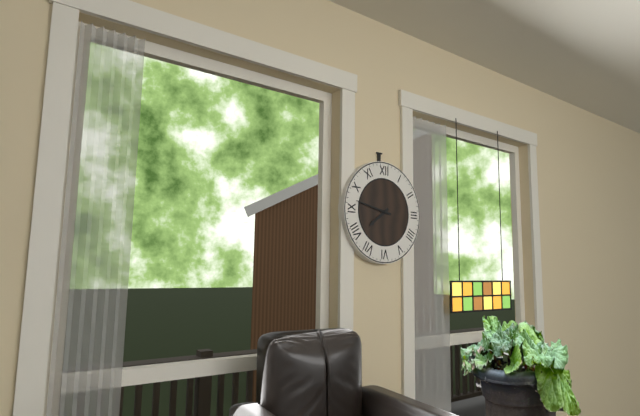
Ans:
h=7 m=47
